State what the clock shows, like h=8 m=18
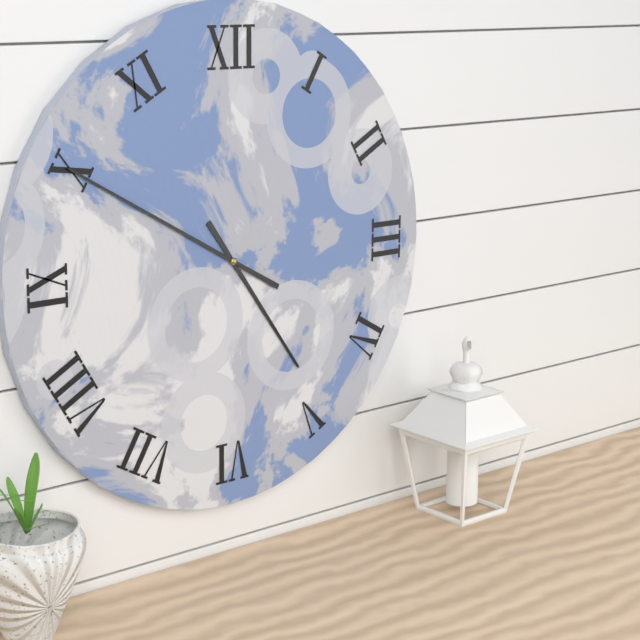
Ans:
h=4 m=50
